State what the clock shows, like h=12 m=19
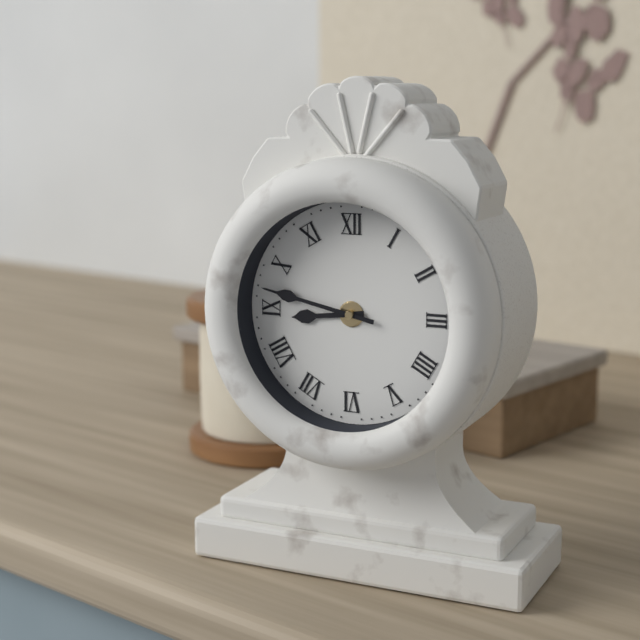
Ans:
h=8 m=47
